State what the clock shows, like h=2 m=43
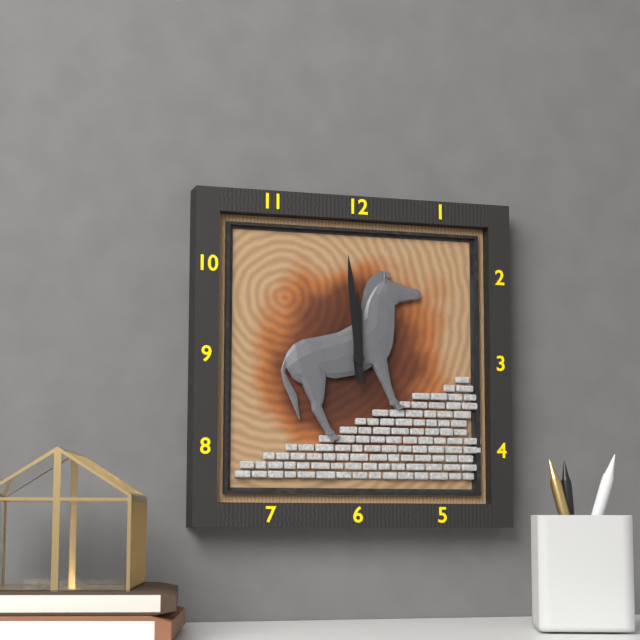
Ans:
h=11 m=59
